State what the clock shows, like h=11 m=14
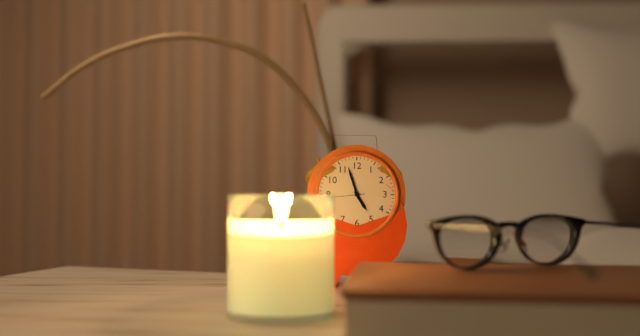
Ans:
h=4 m=57
